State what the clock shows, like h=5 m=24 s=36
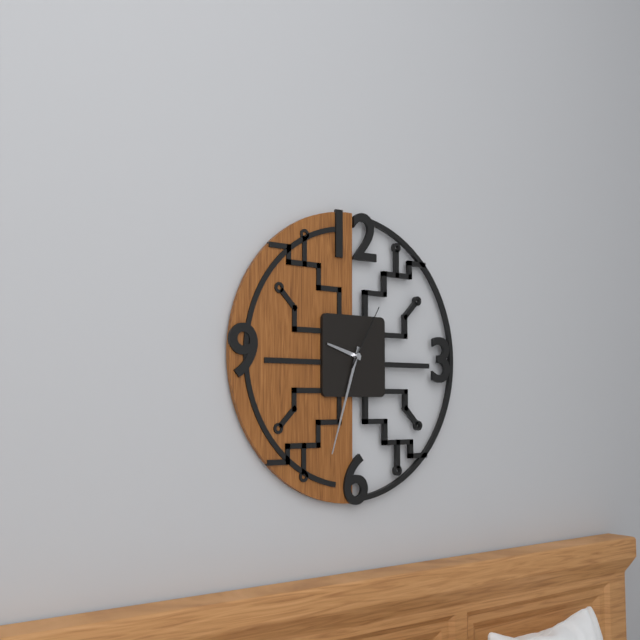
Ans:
h=9 m=33 s=5
